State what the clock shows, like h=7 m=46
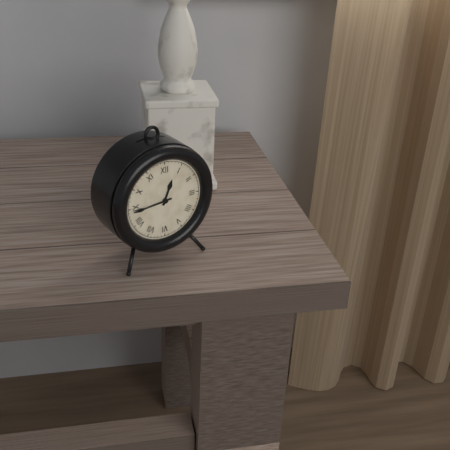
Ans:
h=12 m=44
